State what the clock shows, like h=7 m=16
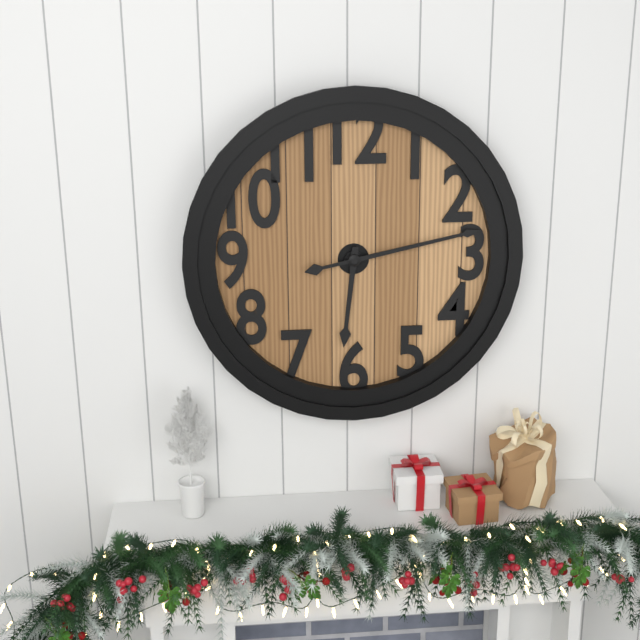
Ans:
h=6 m=13
